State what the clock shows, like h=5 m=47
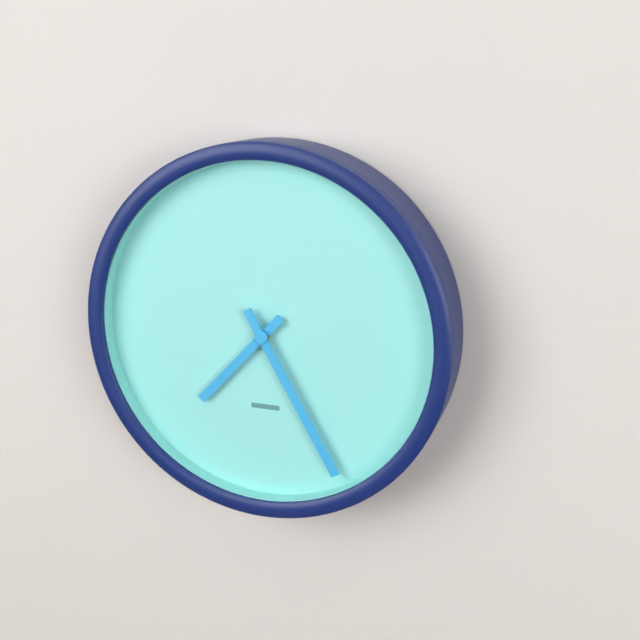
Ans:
h=7 m=25
